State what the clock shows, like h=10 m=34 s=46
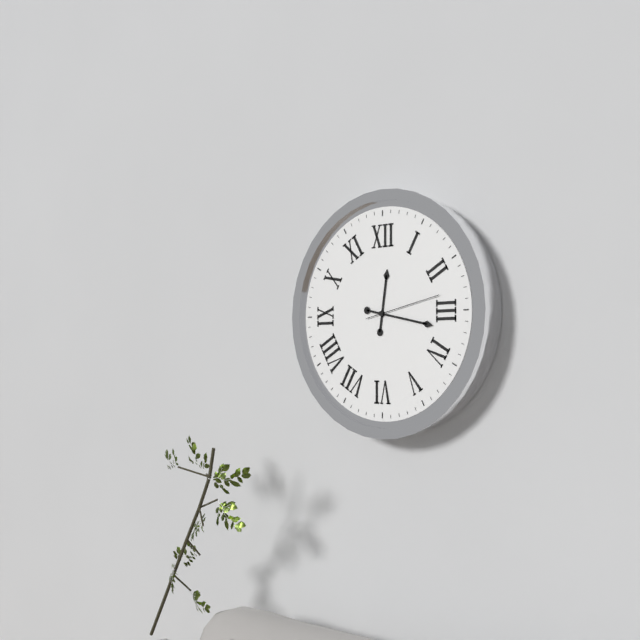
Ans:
h=12 m=17 s=13
